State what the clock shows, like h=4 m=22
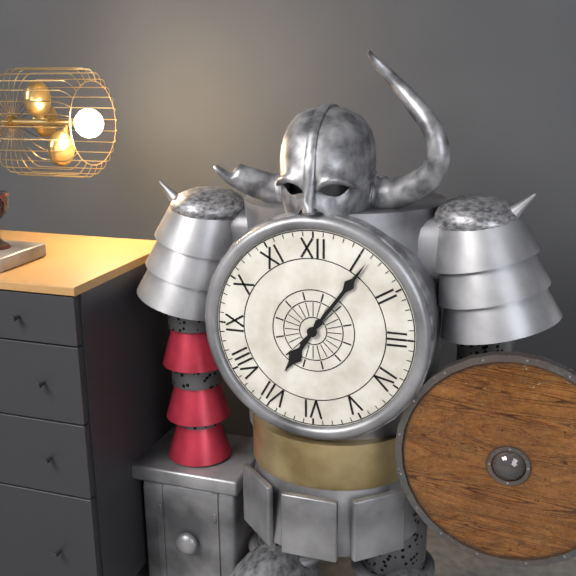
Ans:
h=7 m=6
